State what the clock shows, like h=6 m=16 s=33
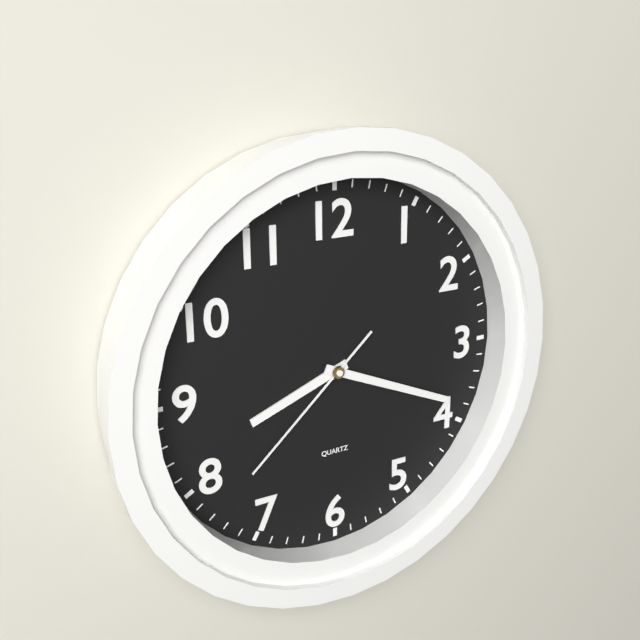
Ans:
h=8 m=19 s=38
